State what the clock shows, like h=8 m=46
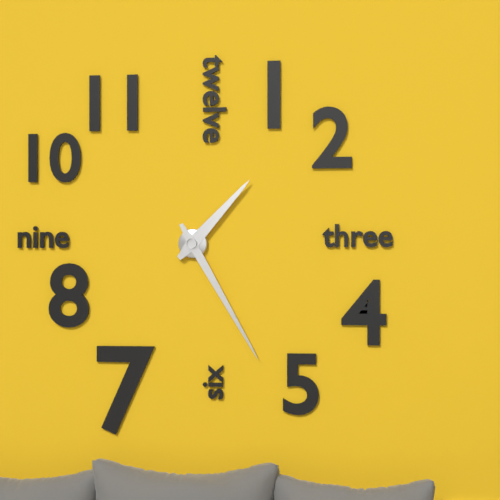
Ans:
h=1 m=25
